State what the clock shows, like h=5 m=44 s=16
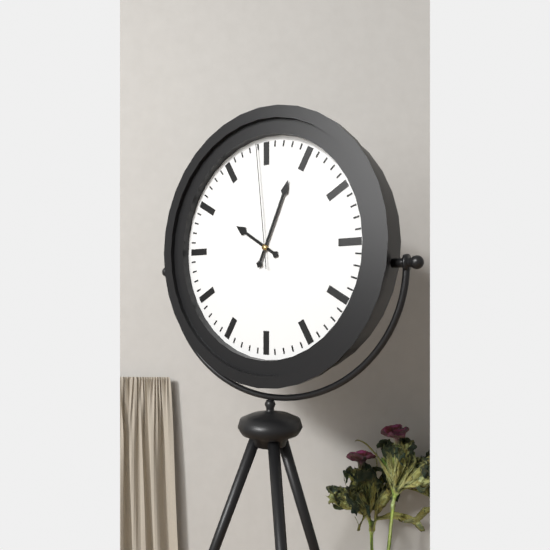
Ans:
h=10 m=4 s=59
